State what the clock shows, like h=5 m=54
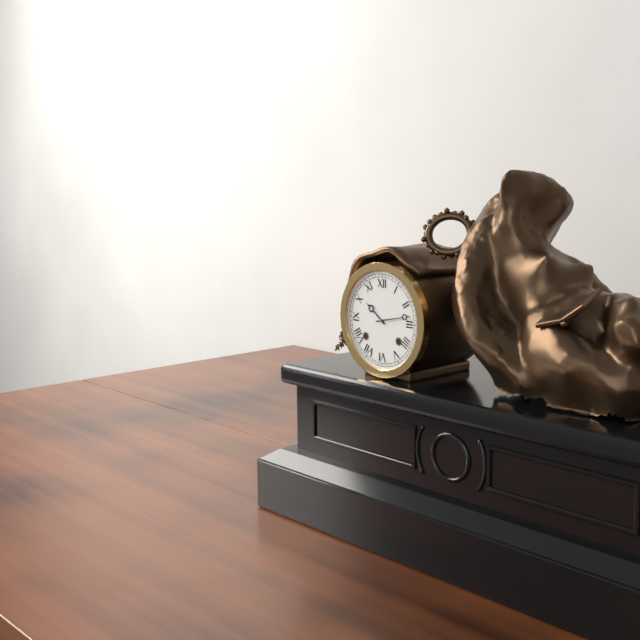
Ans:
h=10 m=13
